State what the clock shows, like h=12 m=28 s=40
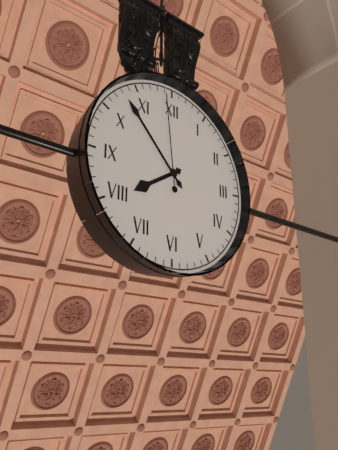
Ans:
h=7 m=53 s=59
